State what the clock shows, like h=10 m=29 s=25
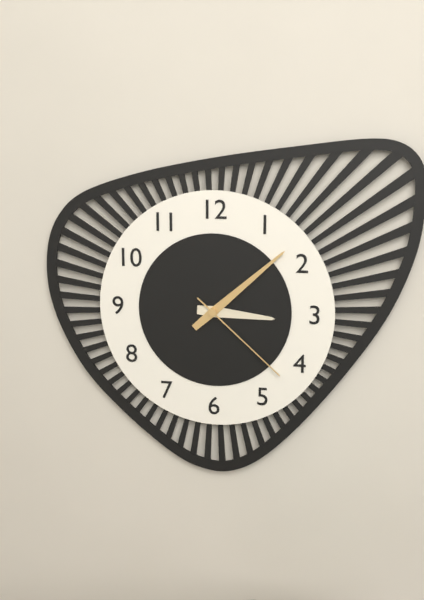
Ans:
h=3 m=8 s=22
